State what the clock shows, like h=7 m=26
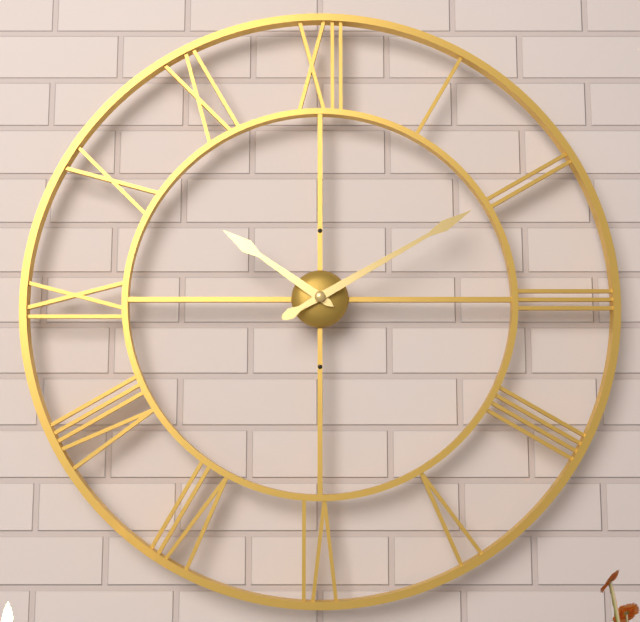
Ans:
h=10 m=10
